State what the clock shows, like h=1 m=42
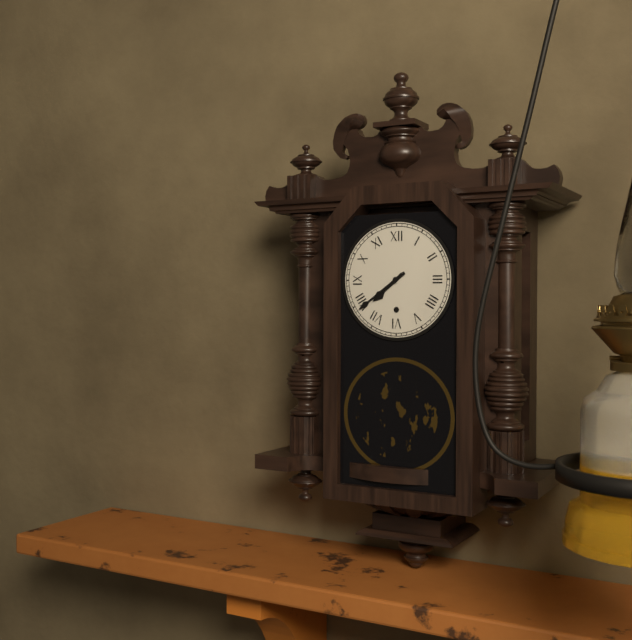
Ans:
h=7 m=39
